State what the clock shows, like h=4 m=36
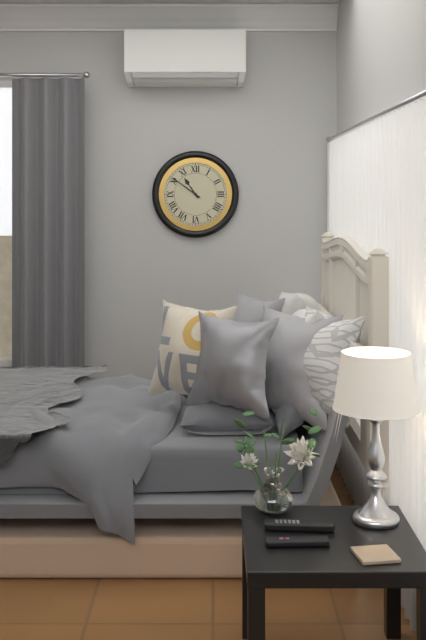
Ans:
h=10 m=51
